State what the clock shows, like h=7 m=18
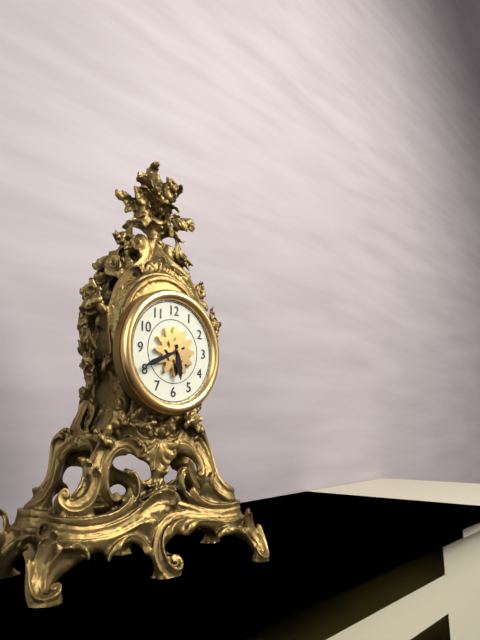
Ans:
h=5 m=41
